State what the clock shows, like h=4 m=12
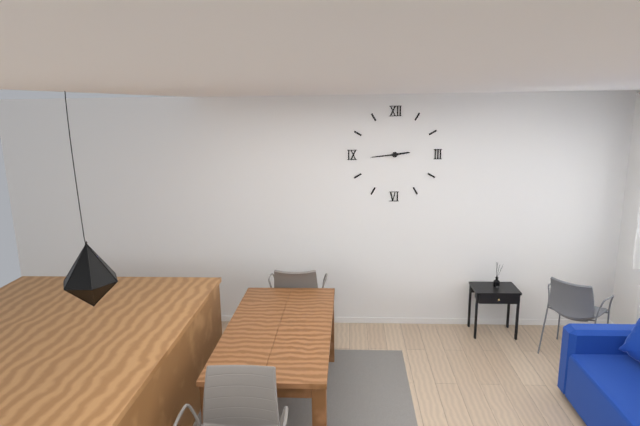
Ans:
h=2 m=44
